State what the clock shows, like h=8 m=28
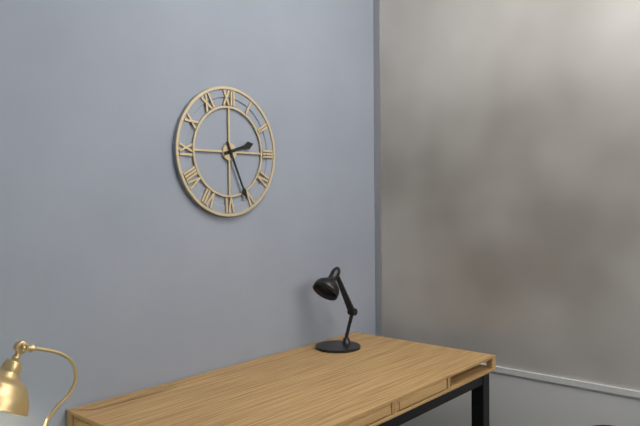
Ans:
h=2 m=26
